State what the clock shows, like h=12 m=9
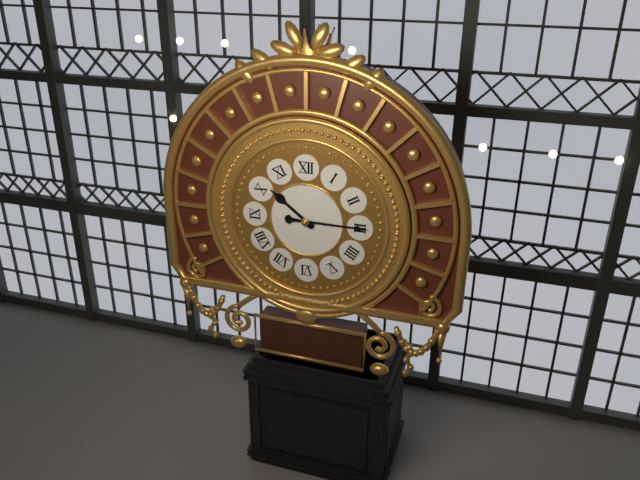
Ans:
h=10 m=15
